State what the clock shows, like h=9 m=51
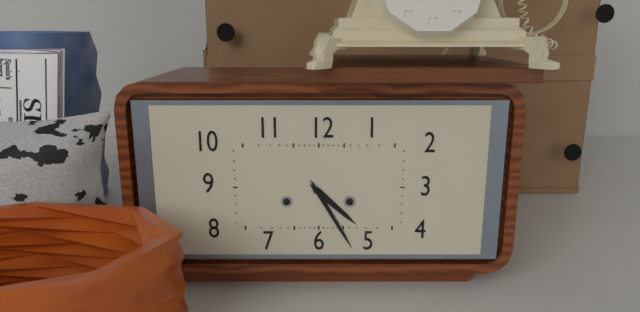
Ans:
h=4 m=25
